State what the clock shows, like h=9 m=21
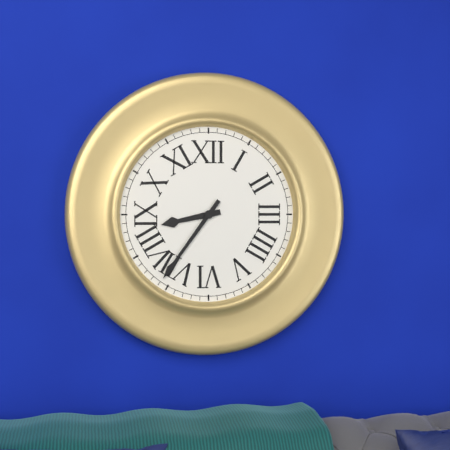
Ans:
h=8 m=36
